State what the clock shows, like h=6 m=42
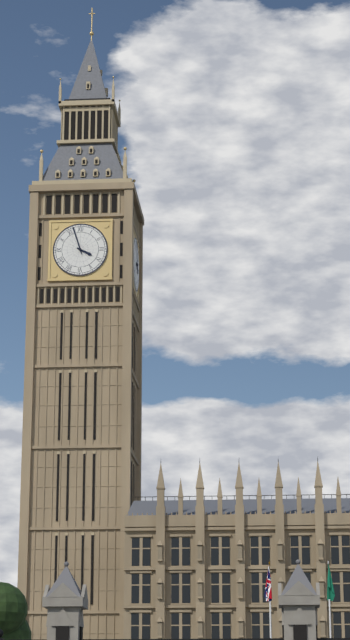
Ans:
h=3 m=57
